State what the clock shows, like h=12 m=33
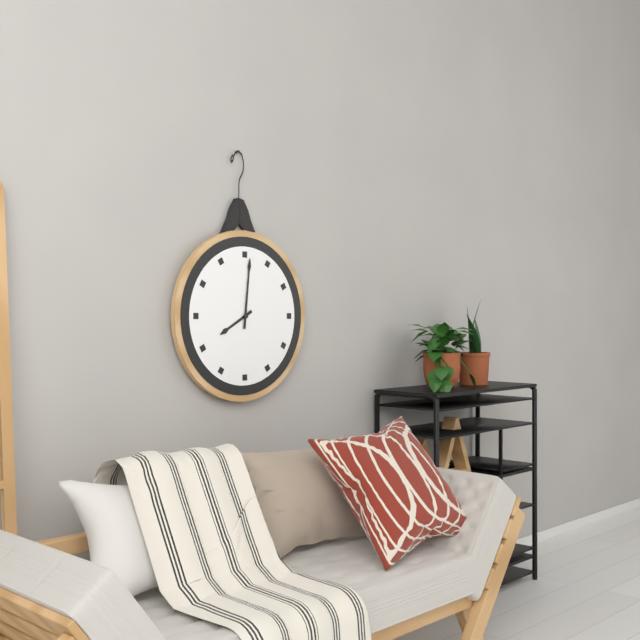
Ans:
h=8 m=1
